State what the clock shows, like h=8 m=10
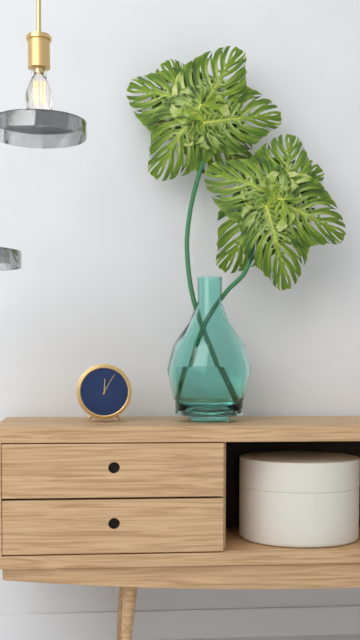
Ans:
h=12 m=5
